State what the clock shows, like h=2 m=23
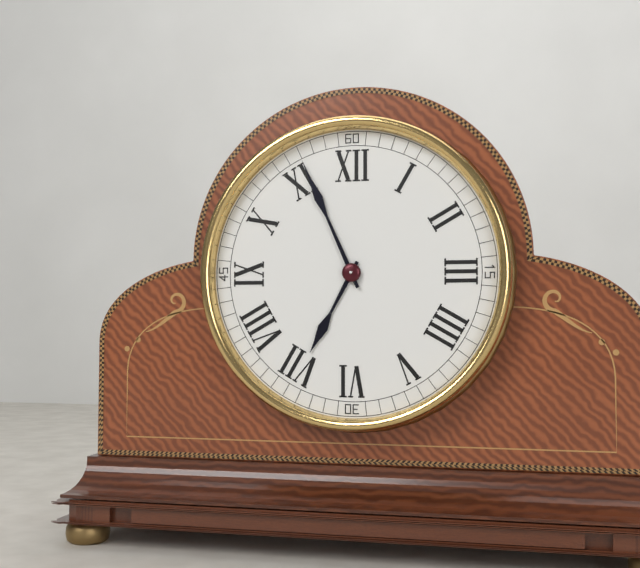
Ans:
h=6 m=56
